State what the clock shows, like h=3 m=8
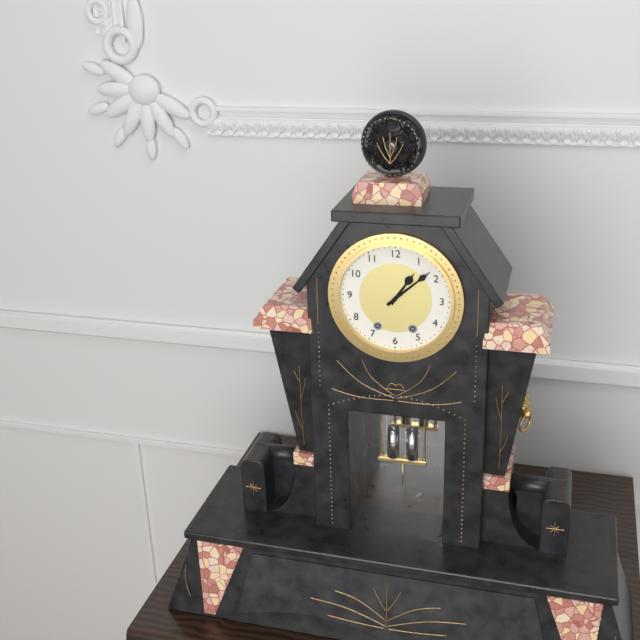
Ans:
h=1 m=8
